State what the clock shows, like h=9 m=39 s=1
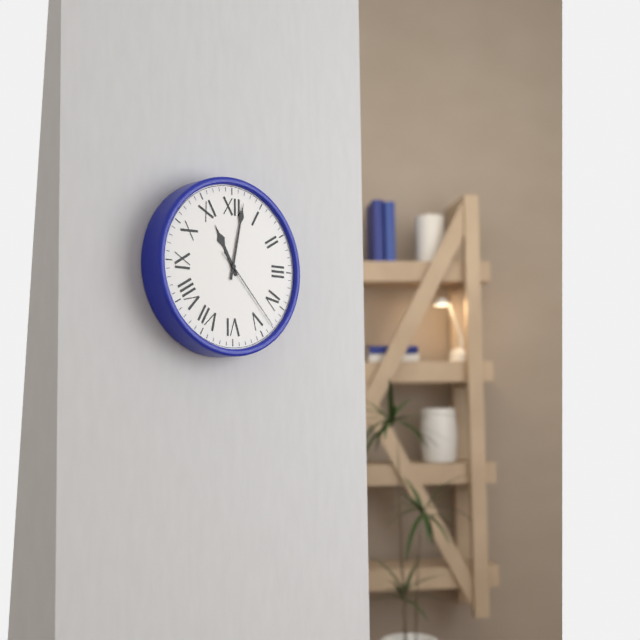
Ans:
h=11 m=2 s=23
